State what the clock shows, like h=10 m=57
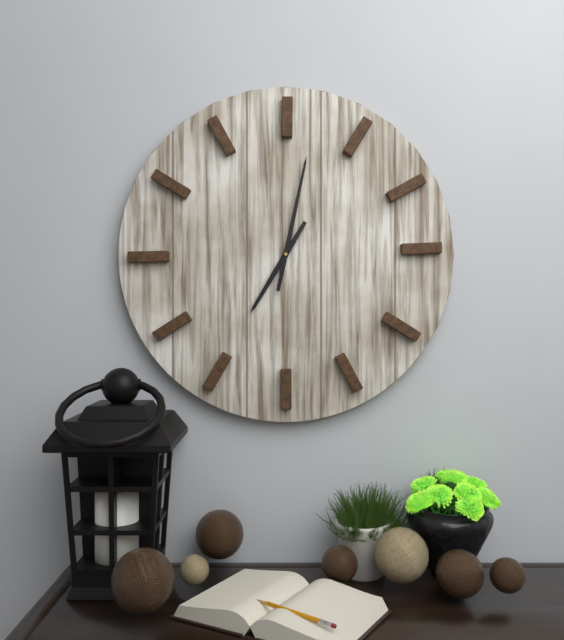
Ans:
h=7 m=2
